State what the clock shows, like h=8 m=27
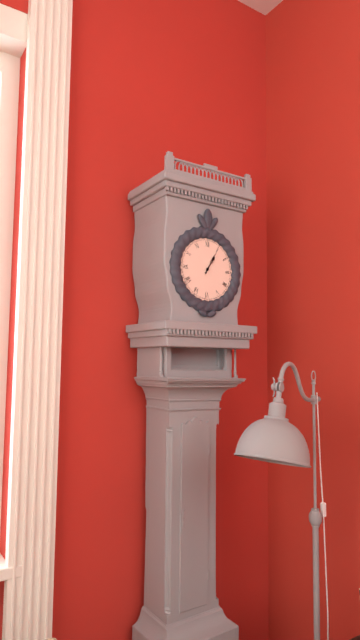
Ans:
h=1 m=5
